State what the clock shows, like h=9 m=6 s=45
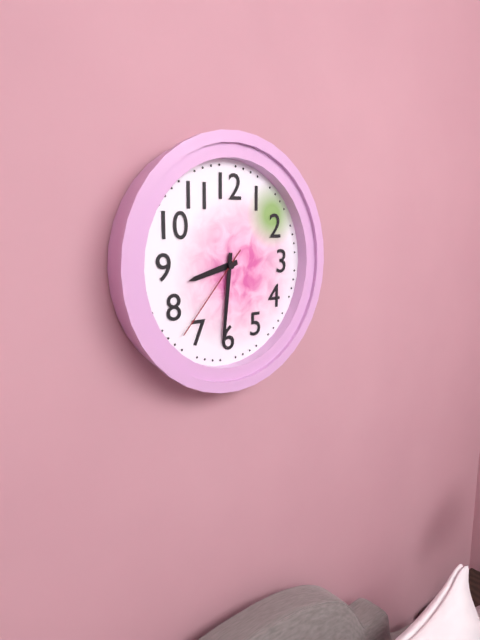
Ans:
h=8 m=31 s=37
